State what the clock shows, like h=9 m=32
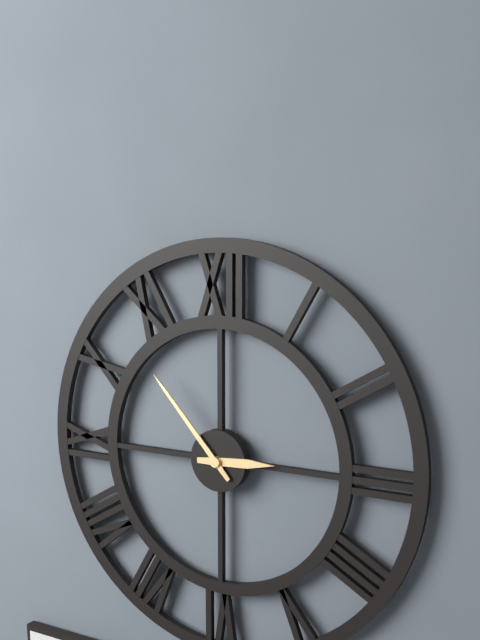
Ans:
h=2 m=53
